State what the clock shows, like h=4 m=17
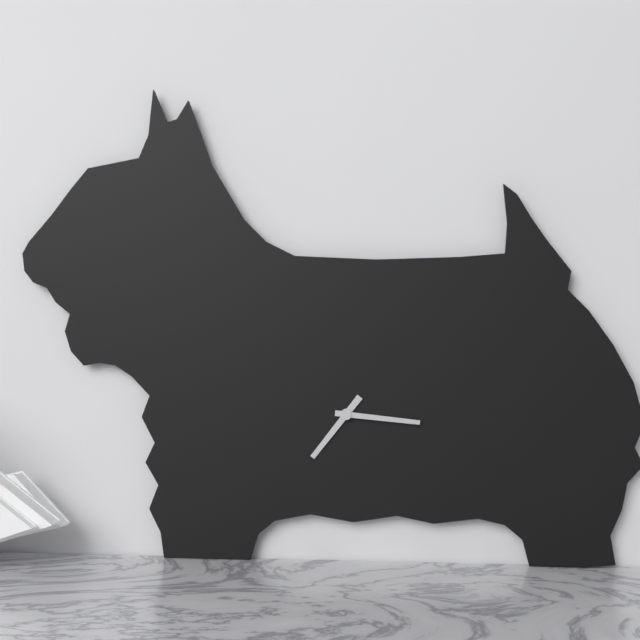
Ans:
h=7 m=16
